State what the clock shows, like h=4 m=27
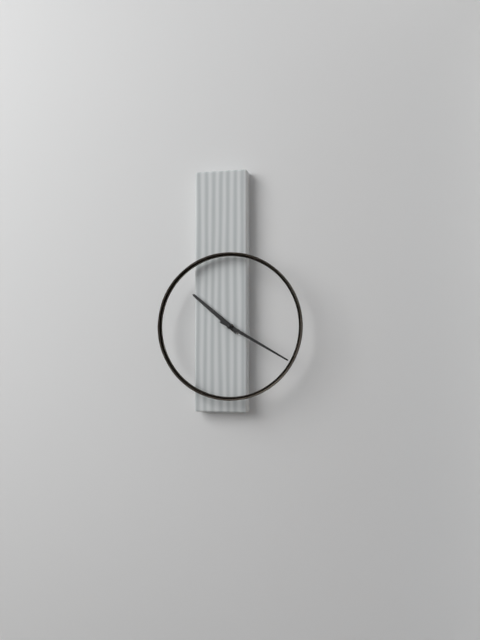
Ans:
h=10 m=20
